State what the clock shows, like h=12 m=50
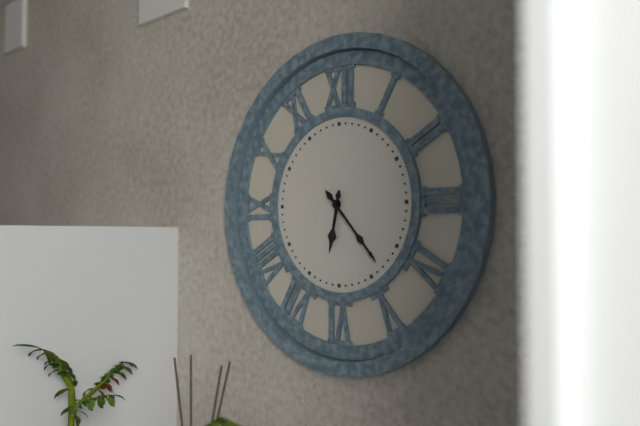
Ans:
h=6 m=23
